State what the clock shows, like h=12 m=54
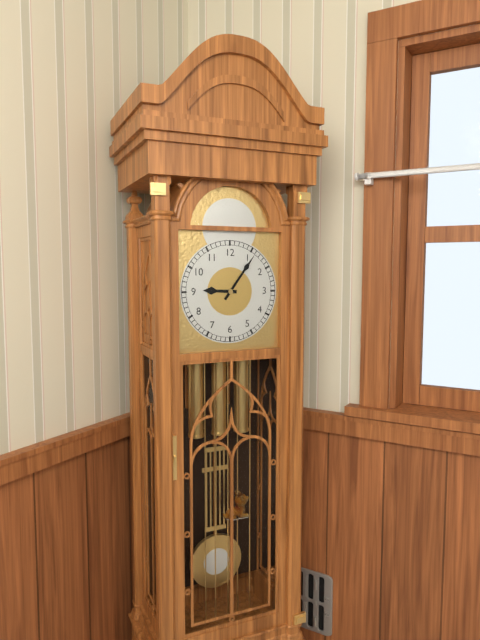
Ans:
h=9 m=6
